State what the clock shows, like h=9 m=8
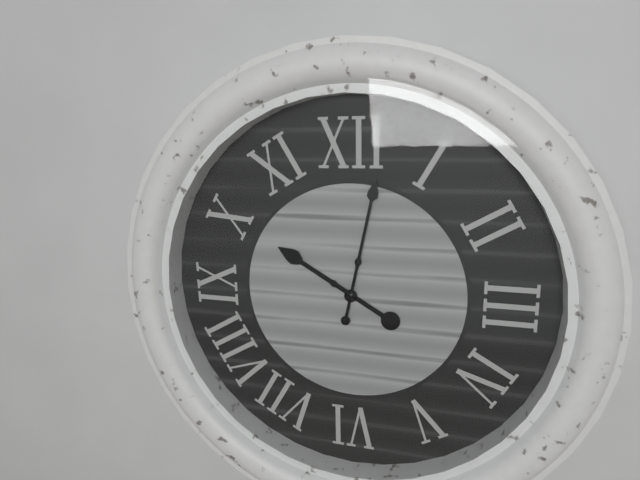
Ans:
h=10 m=2
